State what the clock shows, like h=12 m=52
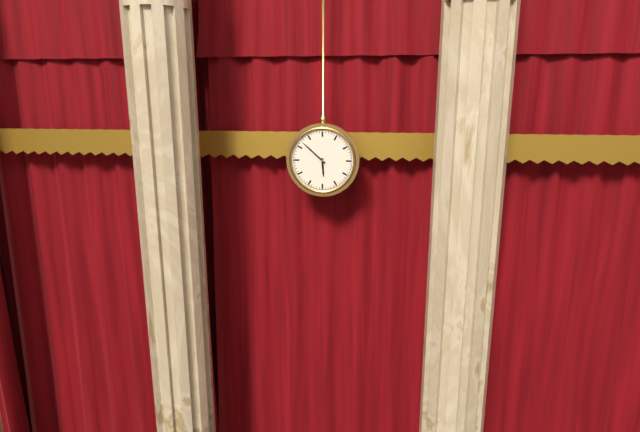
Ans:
h=5 m=52
